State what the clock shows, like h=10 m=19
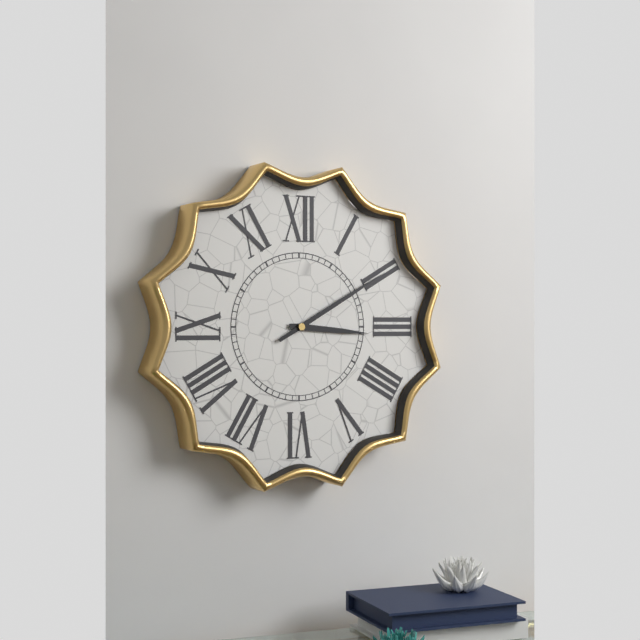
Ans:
h=3 m=10
